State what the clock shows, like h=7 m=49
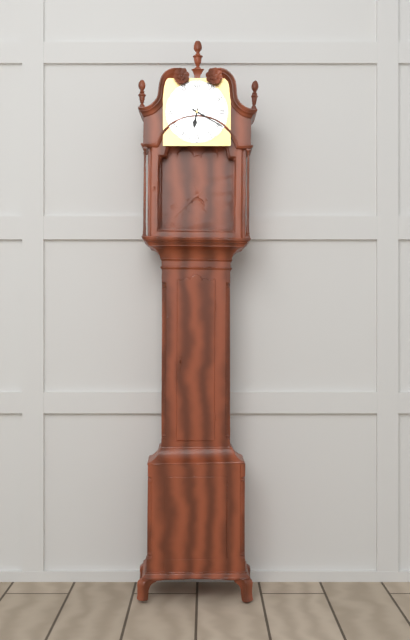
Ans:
h=6 m=20
